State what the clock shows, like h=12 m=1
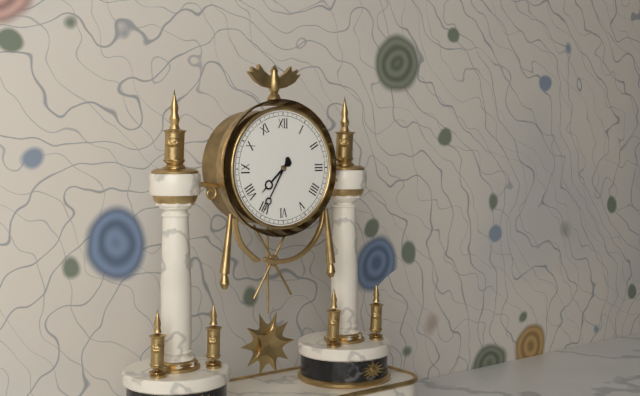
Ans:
h=7 m=35
